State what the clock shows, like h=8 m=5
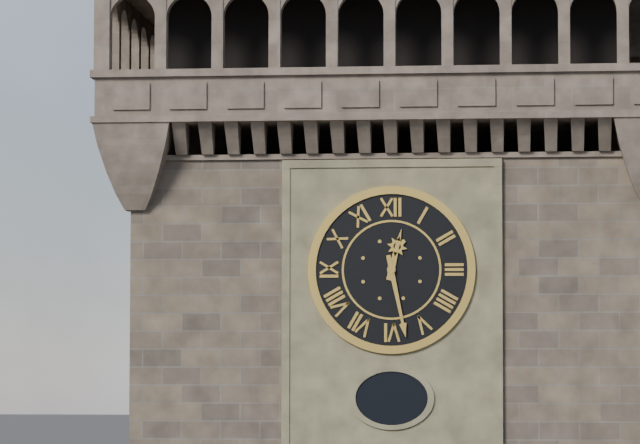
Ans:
h=12 m=28
